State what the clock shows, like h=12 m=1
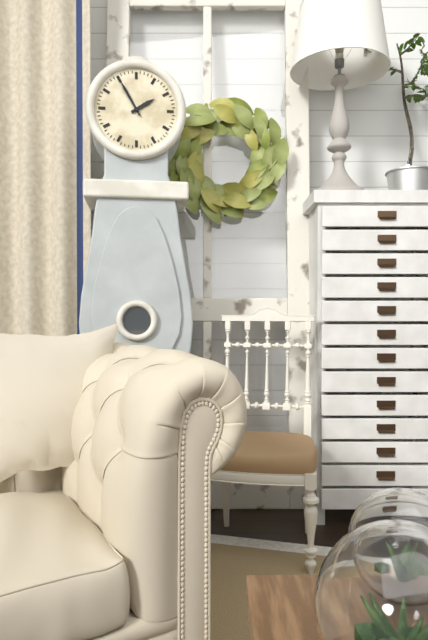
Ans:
h=1 m=55
